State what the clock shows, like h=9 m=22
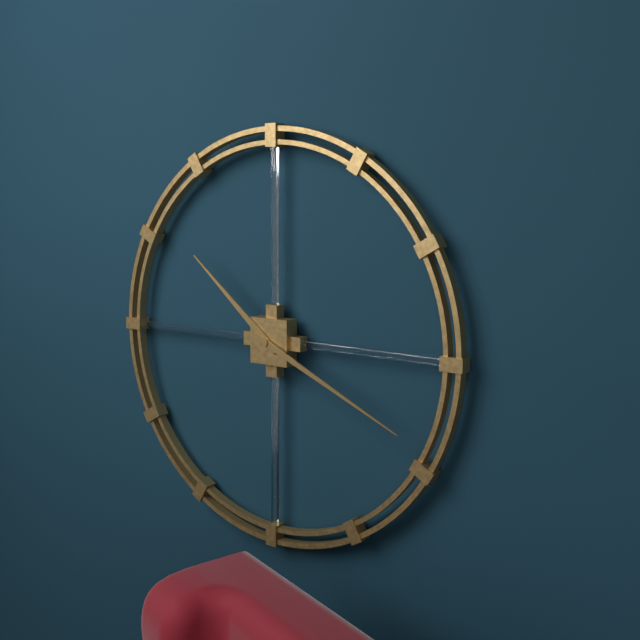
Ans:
h=10 m=19
